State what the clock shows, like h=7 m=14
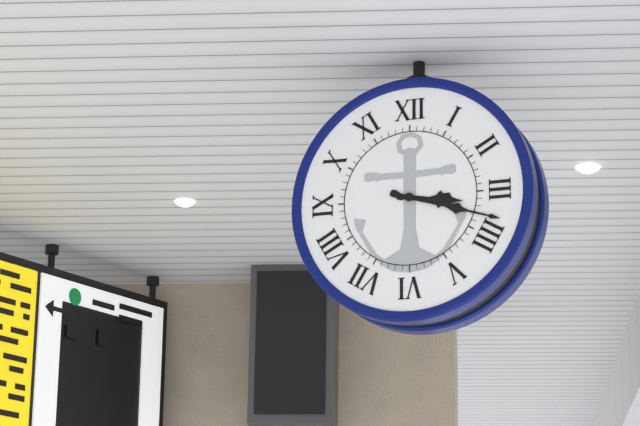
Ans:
h=3 m=18
